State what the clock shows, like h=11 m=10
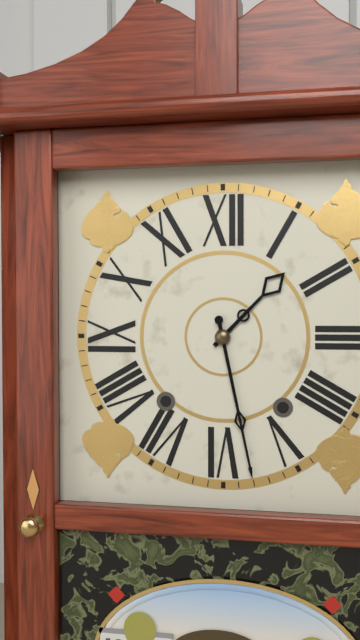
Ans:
h=1 m=28
